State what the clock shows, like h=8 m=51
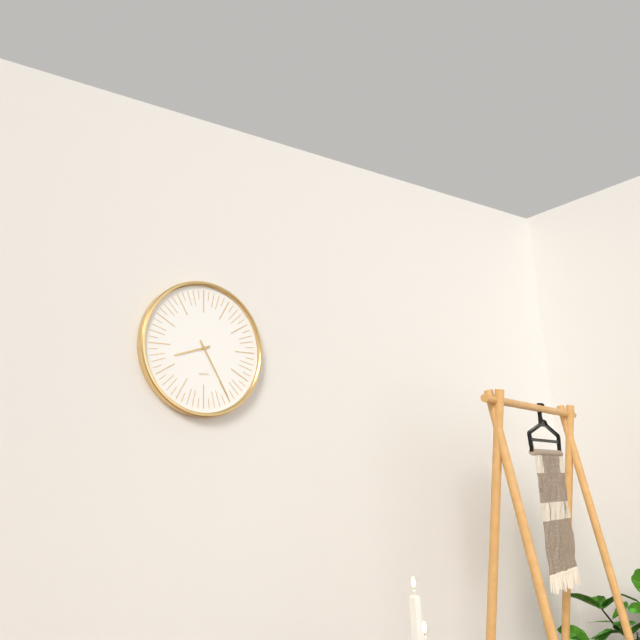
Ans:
h=8 m=25
